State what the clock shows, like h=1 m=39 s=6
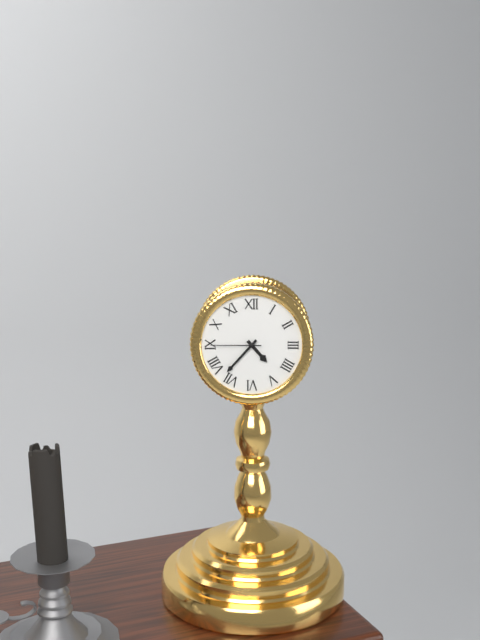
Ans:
h=4 m=37 s=45
